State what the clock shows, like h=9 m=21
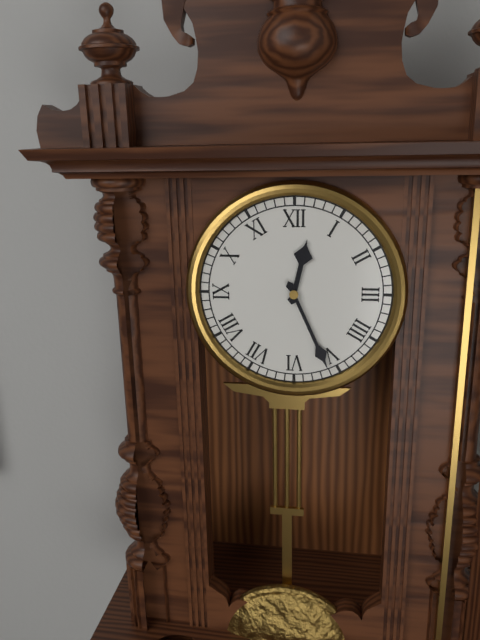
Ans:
h=12 m=26
